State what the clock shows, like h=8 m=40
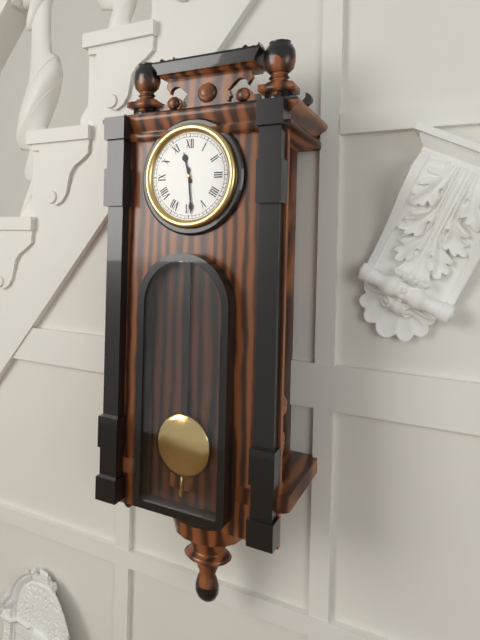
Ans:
h=11 m=29
